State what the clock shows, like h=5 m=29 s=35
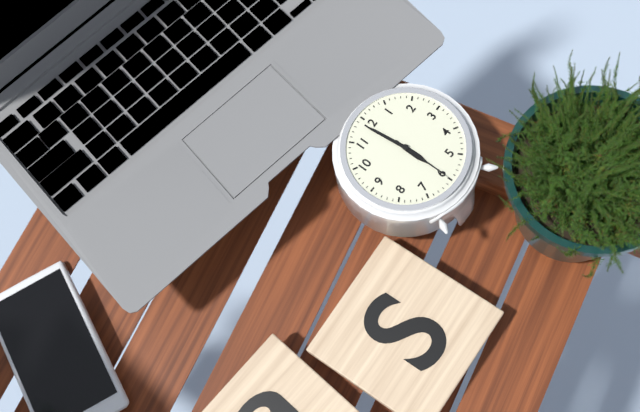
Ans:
h=5 m=59 s=30
